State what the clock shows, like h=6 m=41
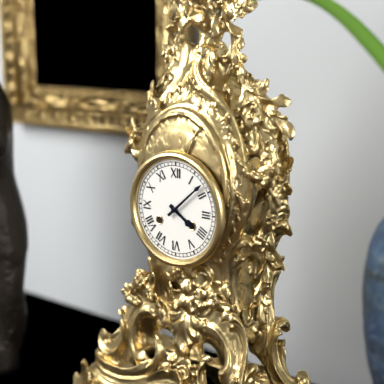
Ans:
h=4 m=8
